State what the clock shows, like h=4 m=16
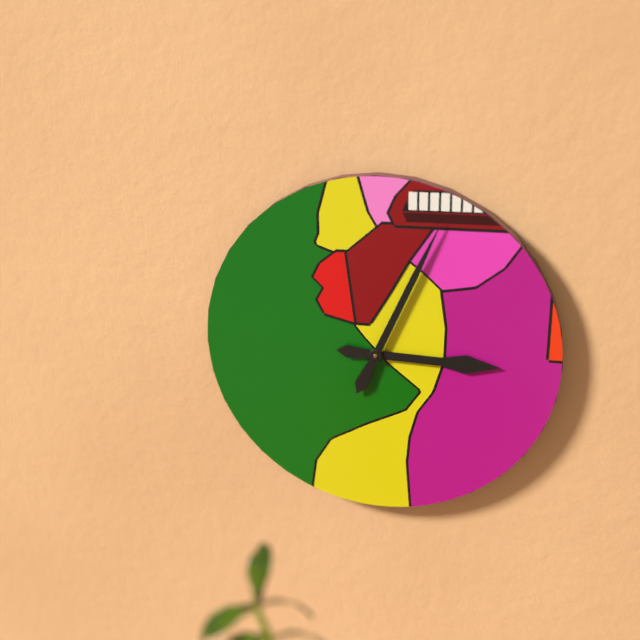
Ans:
h=3 m=4
